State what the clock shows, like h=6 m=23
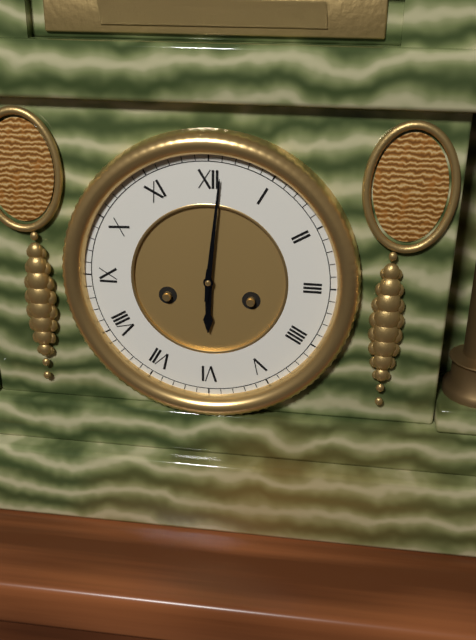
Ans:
h=6 m=1
